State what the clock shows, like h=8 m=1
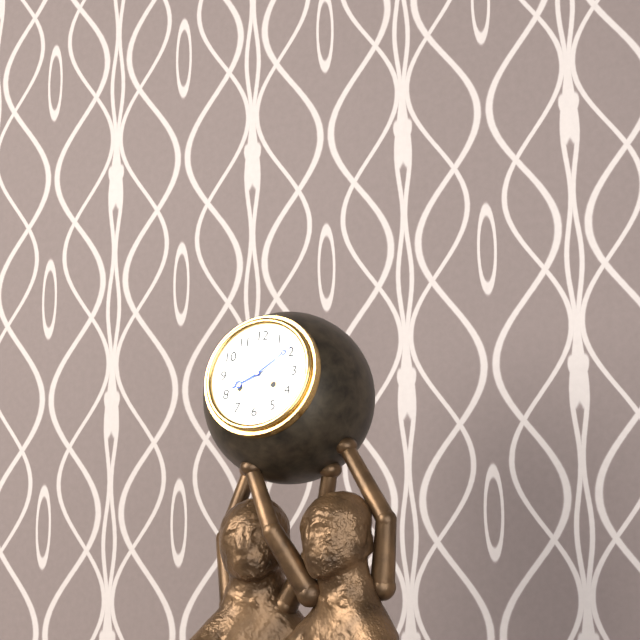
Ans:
h=8 m=9
